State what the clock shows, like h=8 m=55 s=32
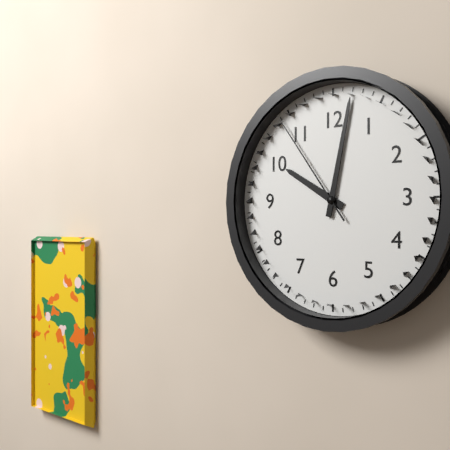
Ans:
h=10 m=2 s=54
